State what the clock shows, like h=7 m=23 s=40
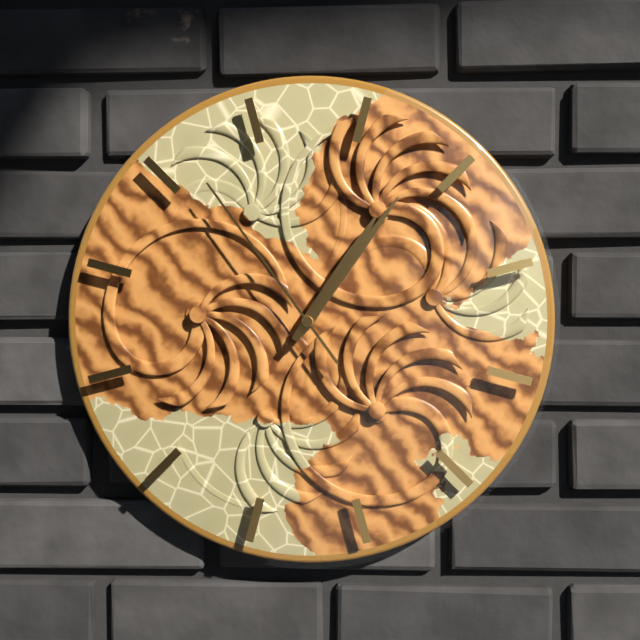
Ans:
h=1 m=6 s=54
